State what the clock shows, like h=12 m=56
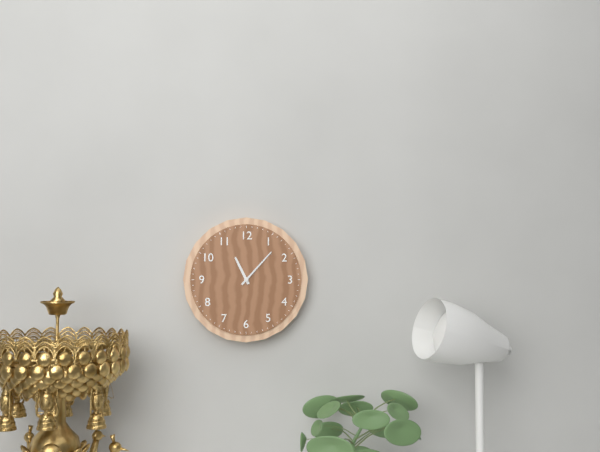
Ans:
h=11 m=7
